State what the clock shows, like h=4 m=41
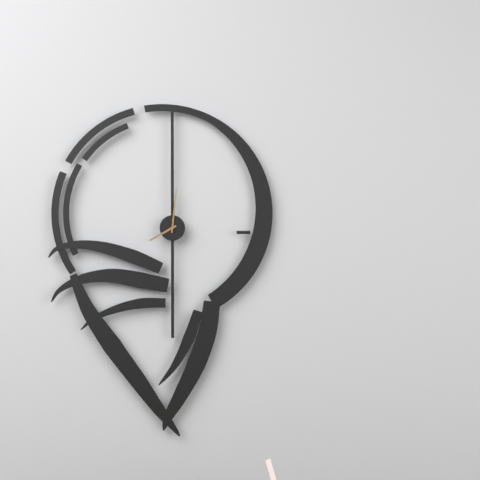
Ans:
h=8 m=1
